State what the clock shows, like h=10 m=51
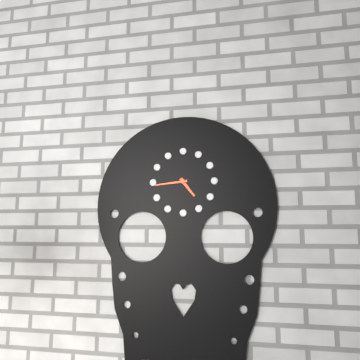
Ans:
h=4 m=44
